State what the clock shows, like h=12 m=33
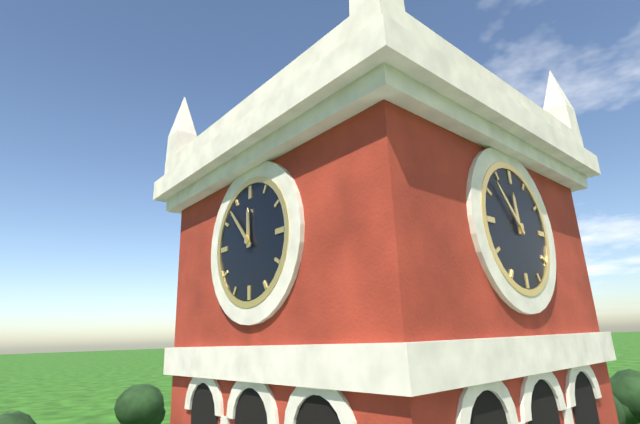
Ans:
h=11 m=53
